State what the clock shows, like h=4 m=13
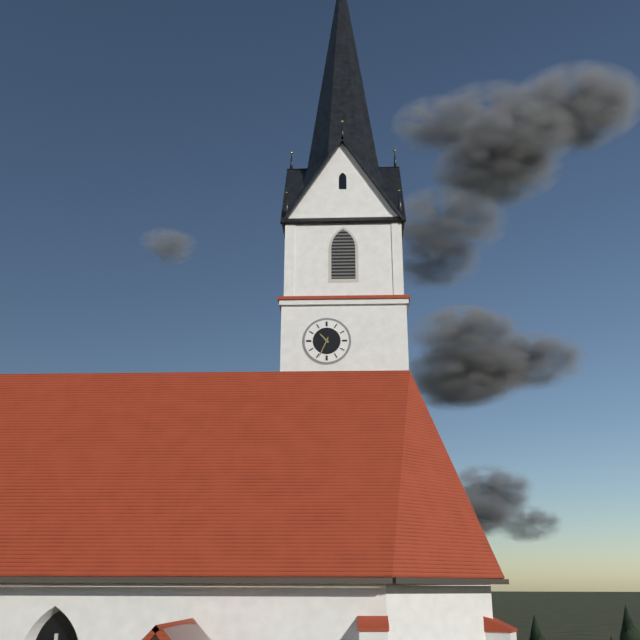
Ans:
h=10 m=34
